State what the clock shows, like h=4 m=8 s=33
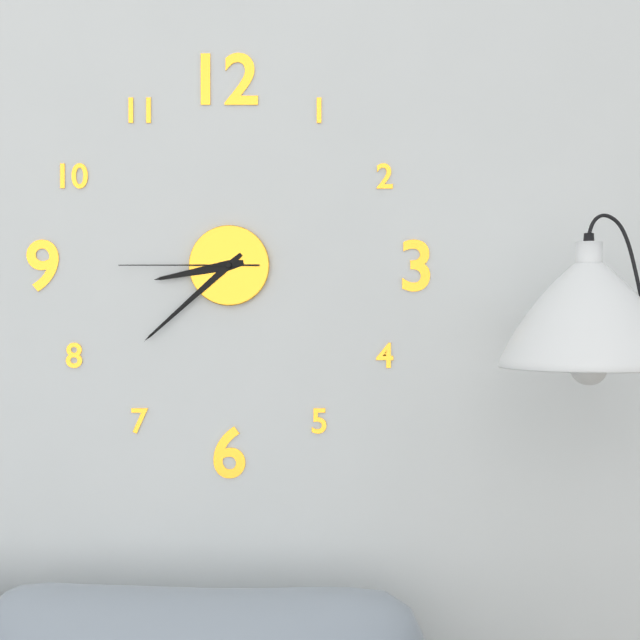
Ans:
h=8 m=38 s=45
